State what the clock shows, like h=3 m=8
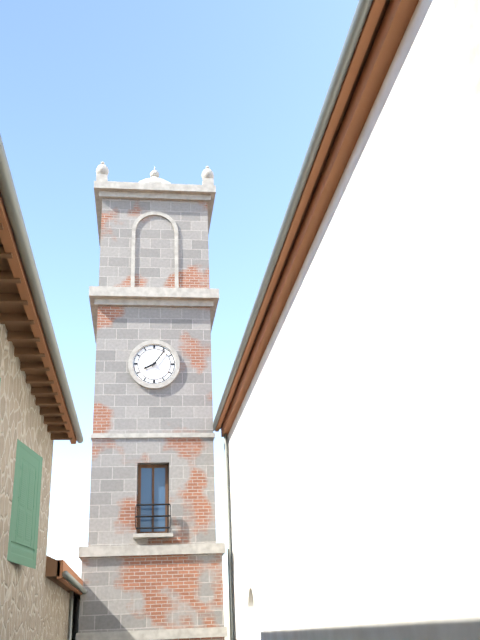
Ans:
h=8 m=6
